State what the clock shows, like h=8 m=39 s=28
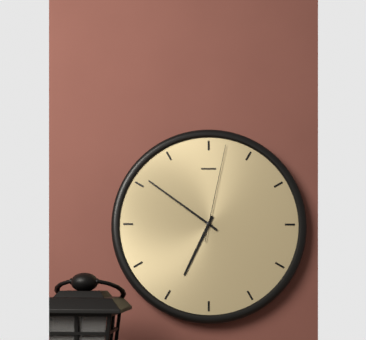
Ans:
h=6 m=51 s=2
